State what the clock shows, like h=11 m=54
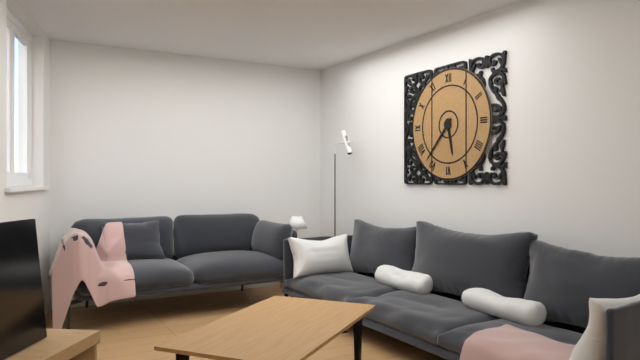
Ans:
h=5 m=37
